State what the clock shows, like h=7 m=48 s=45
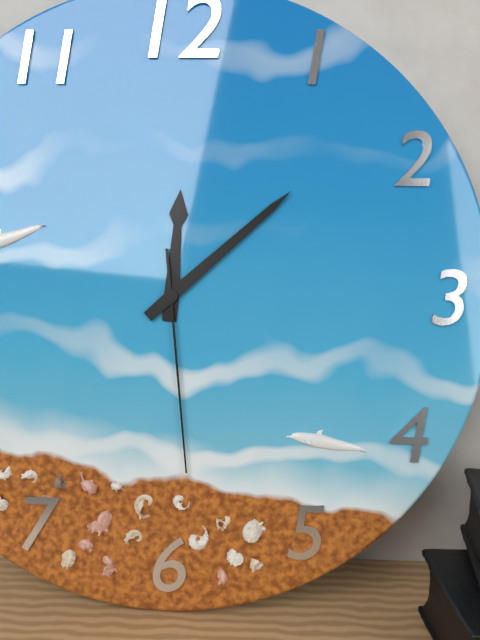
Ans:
h=12 m=8 s=29
